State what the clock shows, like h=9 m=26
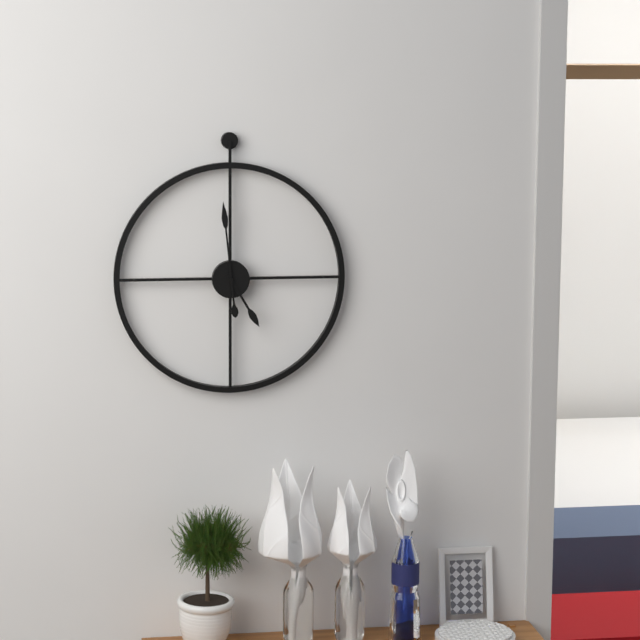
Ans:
h=4 m=59
